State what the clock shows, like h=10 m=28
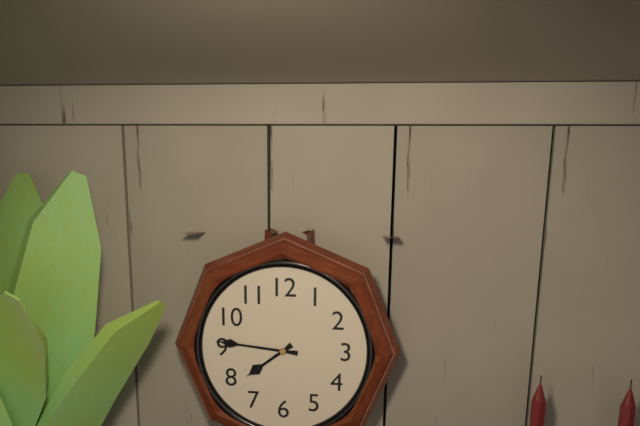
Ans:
h=7 m=46
